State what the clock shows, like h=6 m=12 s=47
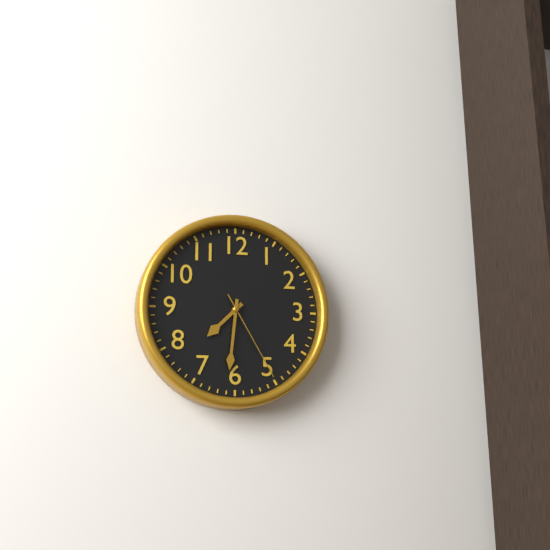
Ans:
h=7 m=31 s=25
